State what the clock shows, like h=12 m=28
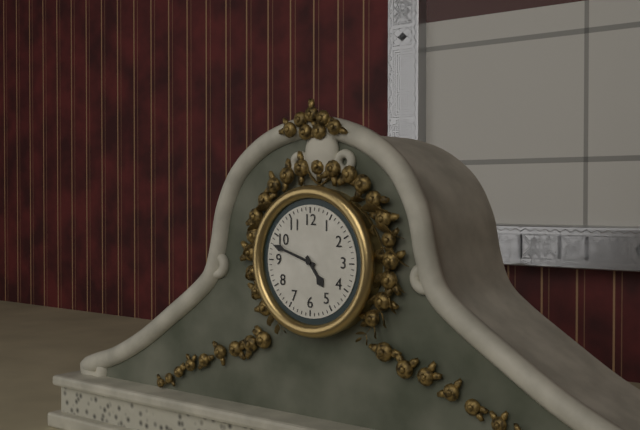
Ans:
h=4 m=48
